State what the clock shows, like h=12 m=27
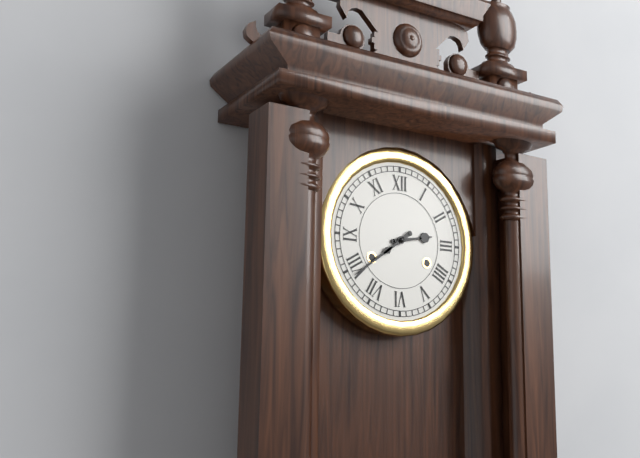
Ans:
h=2 m=39
